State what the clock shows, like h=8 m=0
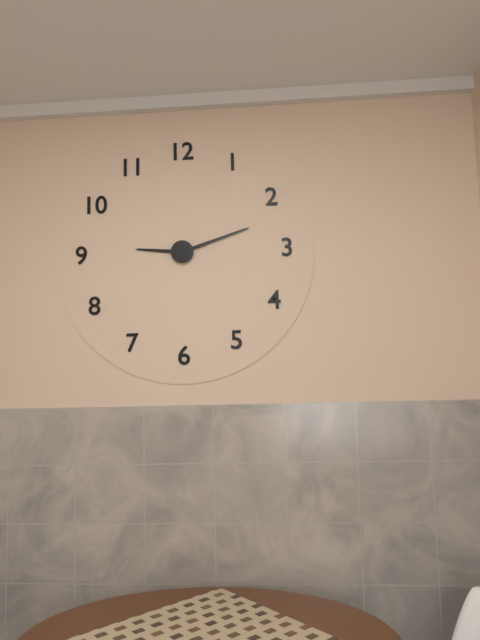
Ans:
h=9 m=12
